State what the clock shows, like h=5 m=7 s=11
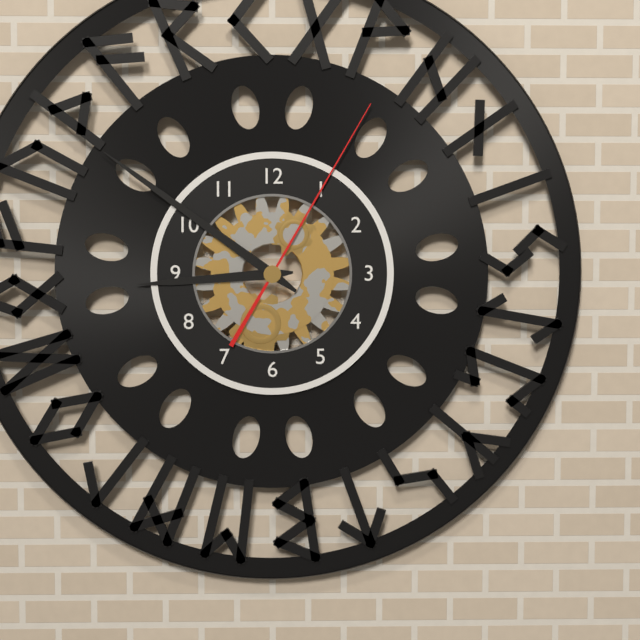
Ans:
h=8 m=51 s=5
